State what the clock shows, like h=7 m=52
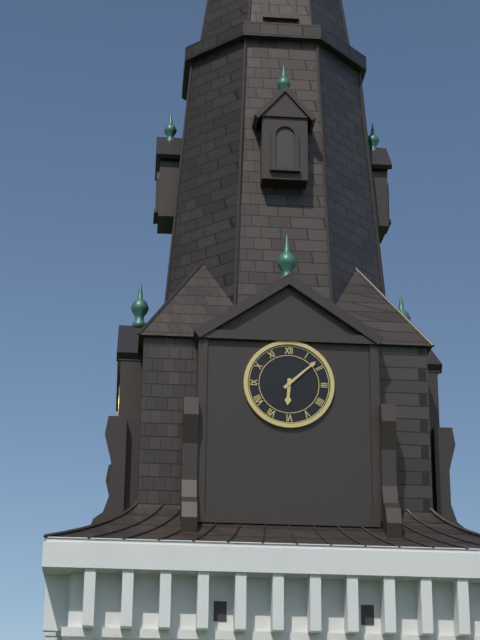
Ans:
h=6 m=8
